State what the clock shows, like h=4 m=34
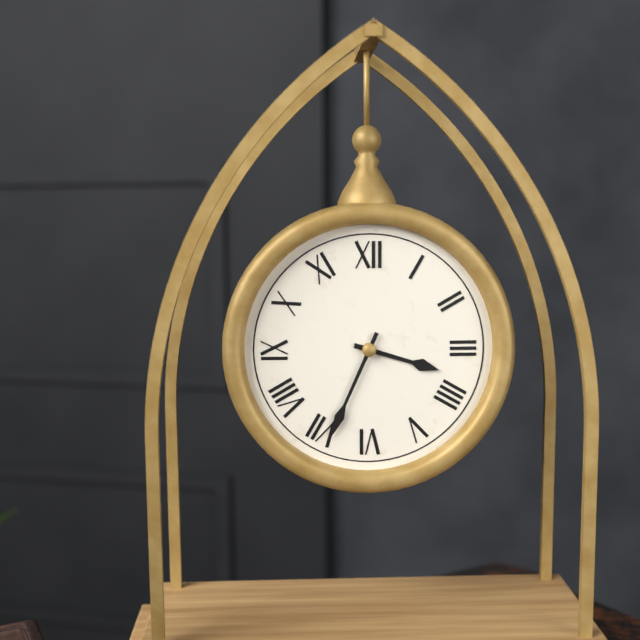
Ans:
h=3 m=34
